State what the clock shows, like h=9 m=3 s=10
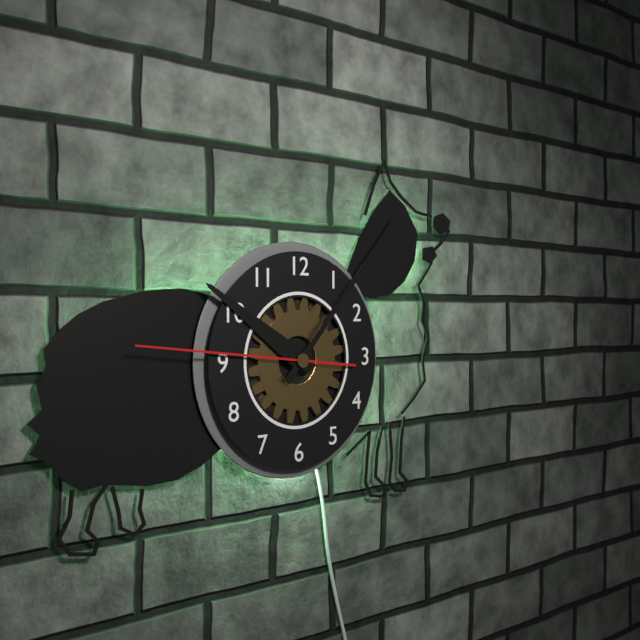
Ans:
h=10 m=7 s=46
